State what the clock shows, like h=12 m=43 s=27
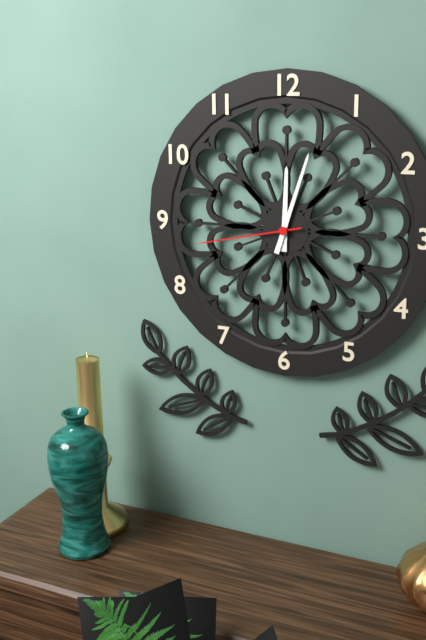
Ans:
h=12 m=3 s=43
